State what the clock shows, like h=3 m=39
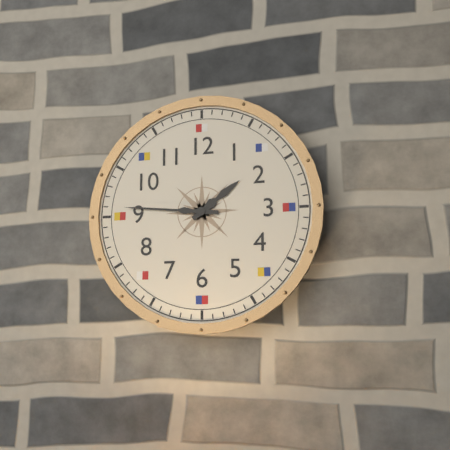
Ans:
h=1 m=46
